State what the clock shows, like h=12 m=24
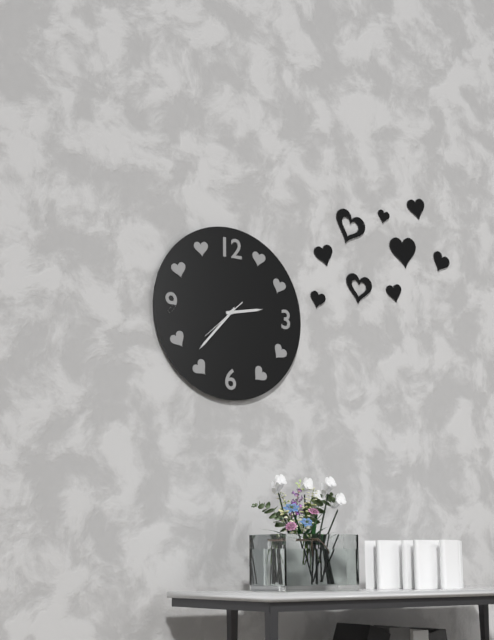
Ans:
h=2 m=37
